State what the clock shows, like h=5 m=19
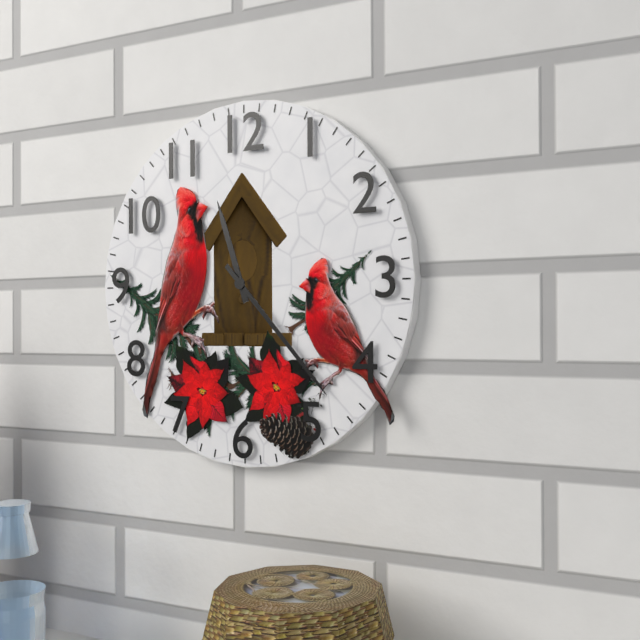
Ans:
h=11 m=23
